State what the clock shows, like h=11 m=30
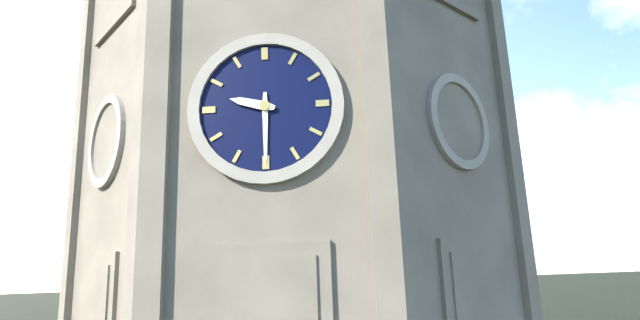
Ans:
h=9 m=30
